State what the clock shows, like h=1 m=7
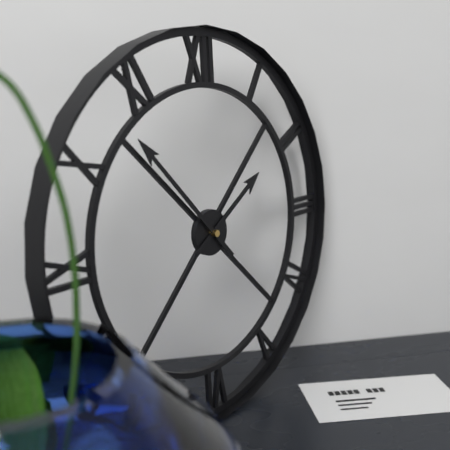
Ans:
h=1 m=53
